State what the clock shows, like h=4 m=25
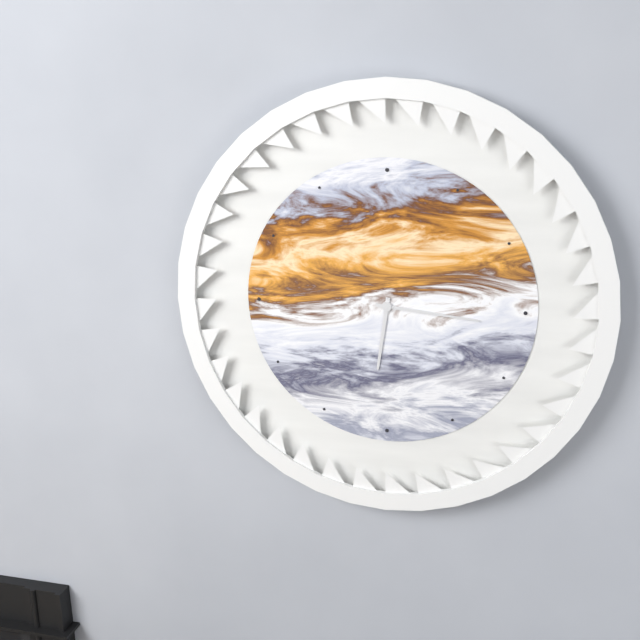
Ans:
h=6 m=16
